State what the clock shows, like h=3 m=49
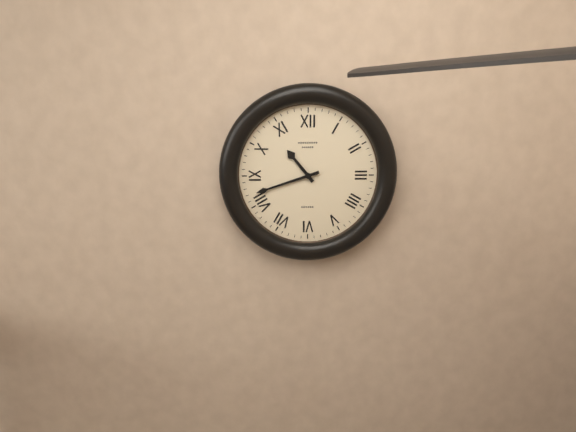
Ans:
h=10 m=42
